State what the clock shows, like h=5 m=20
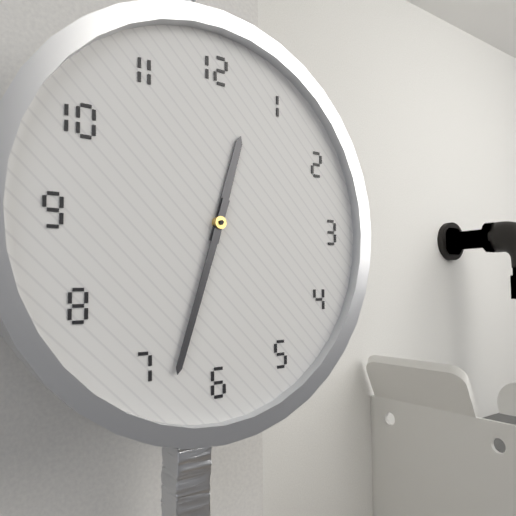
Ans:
h=12 m=33
